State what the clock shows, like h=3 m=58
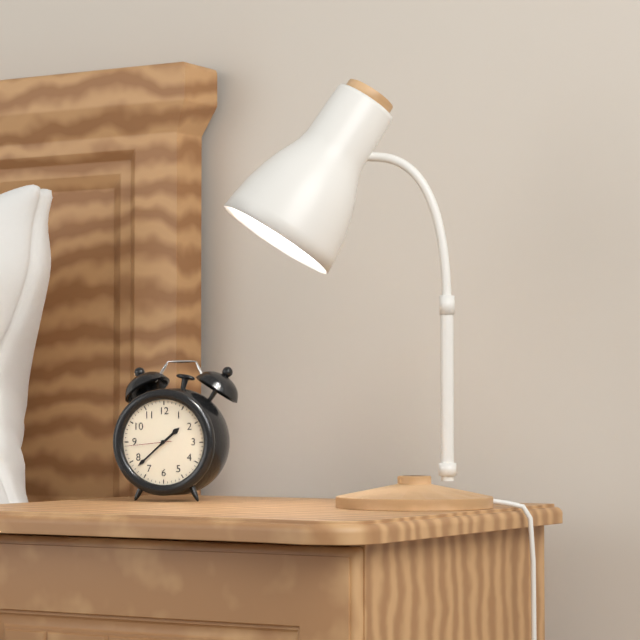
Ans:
h=1 m=38
